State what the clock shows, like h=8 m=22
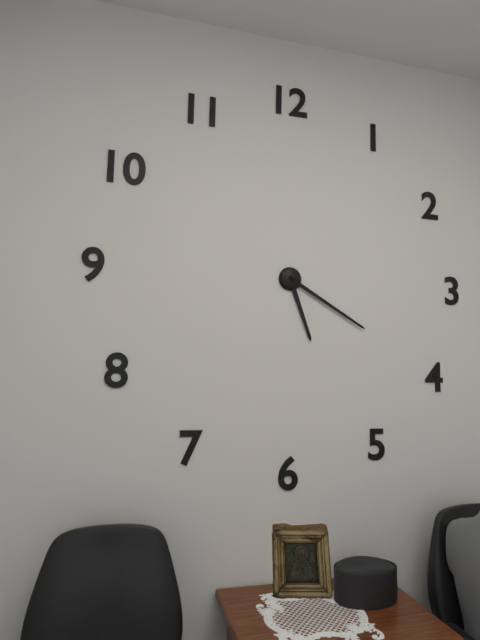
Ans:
h=5 m=20
